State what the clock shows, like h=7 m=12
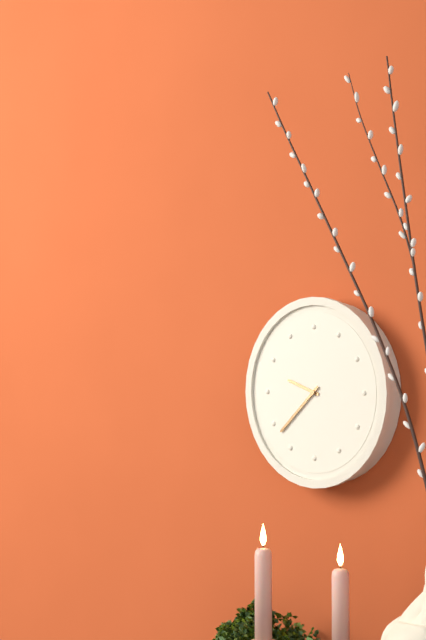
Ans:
h=9 m=38
